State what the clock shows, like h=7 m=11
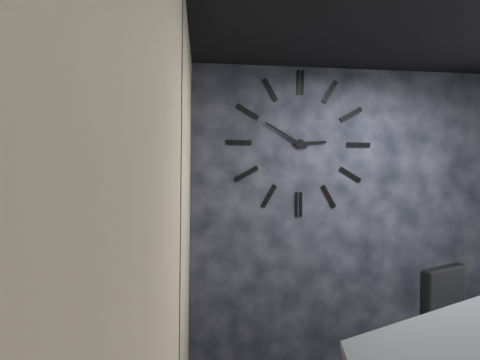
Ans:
h=2 m=50
